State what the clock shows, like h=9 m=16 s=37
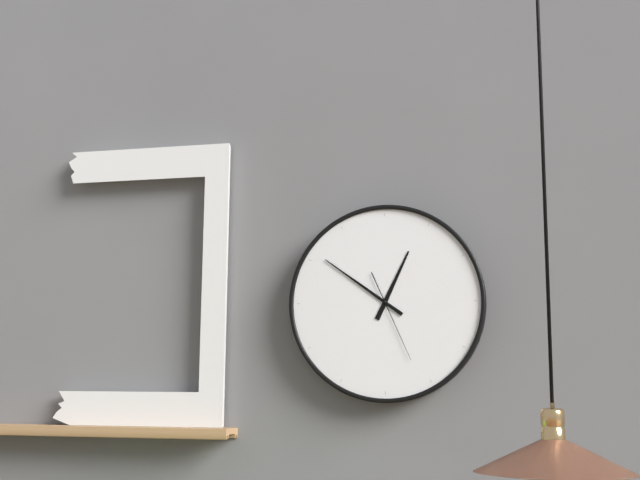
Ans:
h=12 m=51 s=26
